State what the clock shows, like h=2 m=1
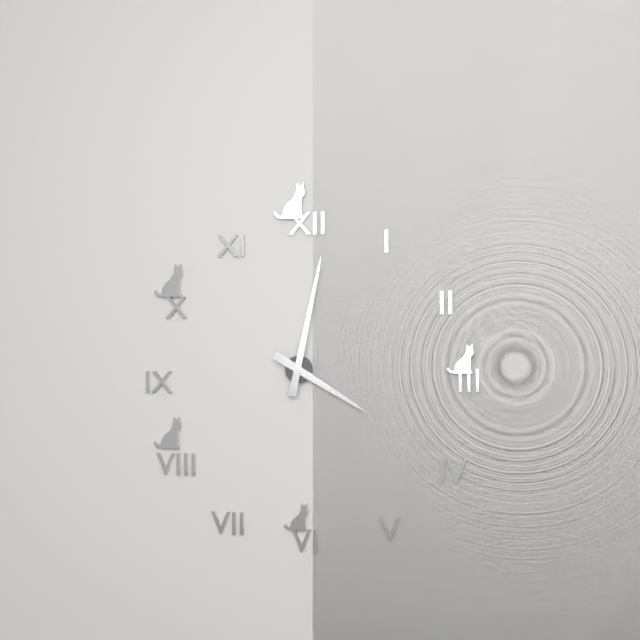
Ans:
h=4 m=2
